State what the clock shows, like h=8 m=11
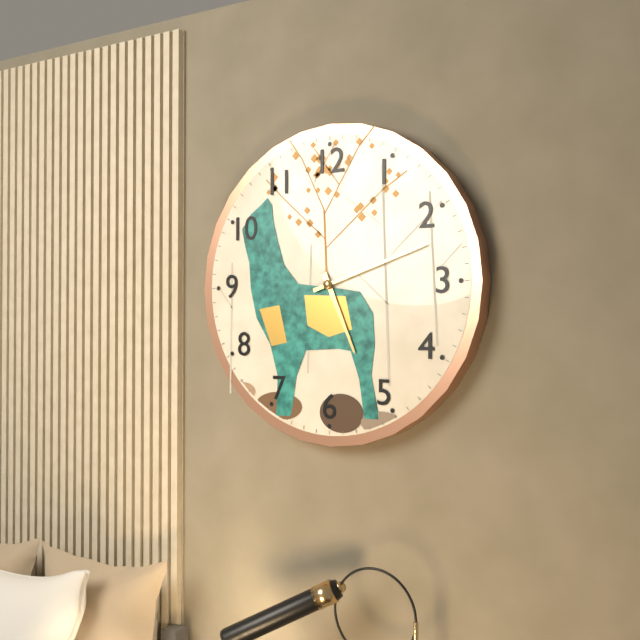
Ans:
h=5 m=12
